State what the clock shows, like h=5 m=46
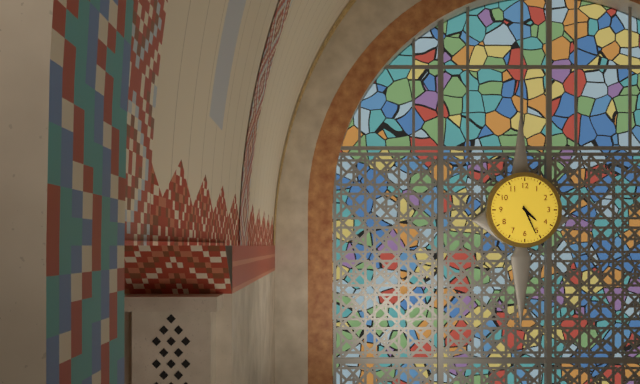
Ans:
h=4 m=26
